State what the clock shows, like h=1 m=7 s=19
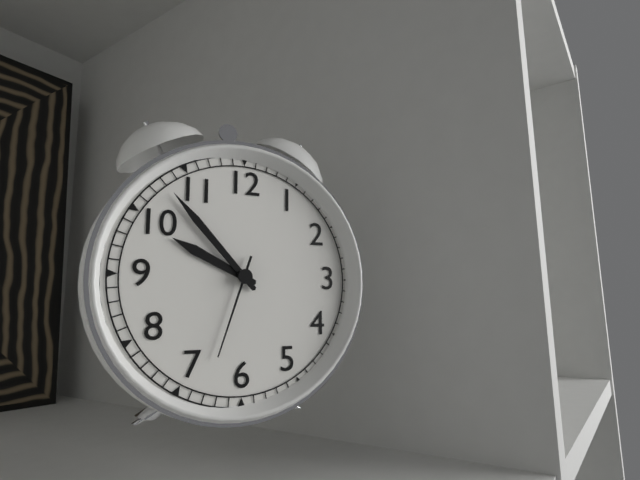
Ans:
h=9 m=53 s=33
